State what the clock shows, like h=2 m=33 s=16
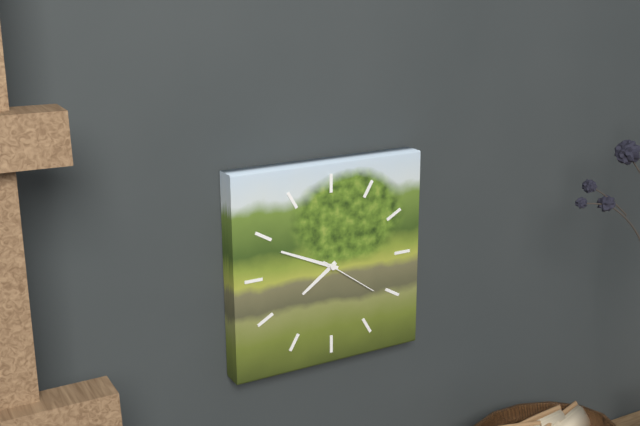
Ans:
h=7 m=49 s=21
